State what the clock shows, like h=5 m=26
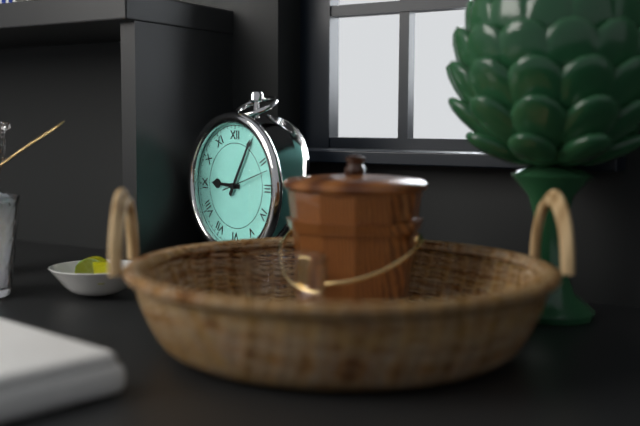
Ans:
h=9 m=5
